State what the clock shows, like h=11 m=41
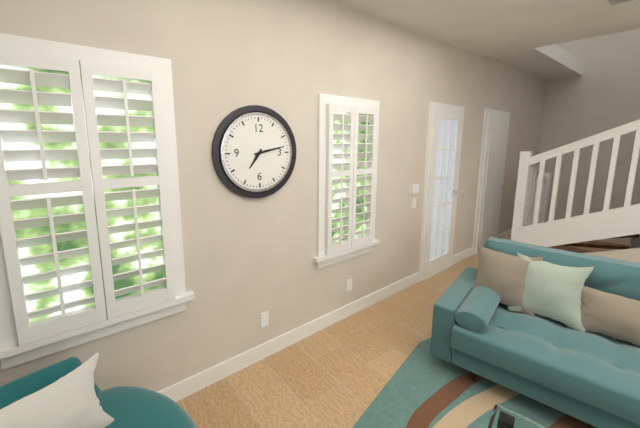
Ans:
h=7 m=13
